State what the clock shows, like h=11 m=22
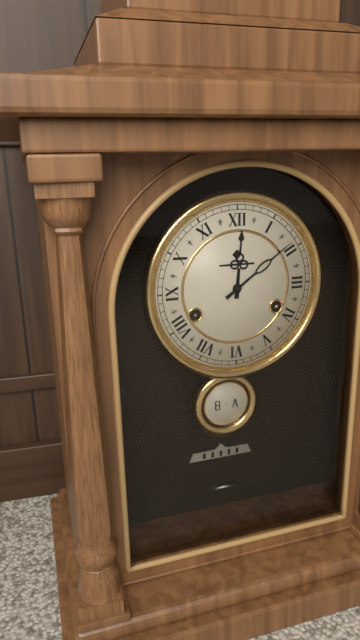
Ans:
h=12 m=9
